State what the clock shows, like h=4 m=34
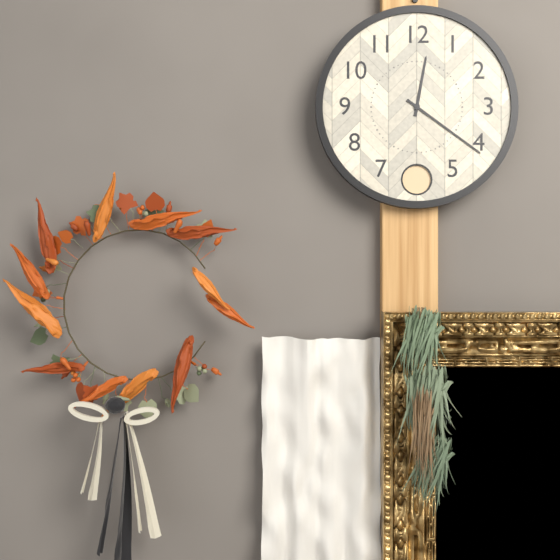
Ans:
h=12 m=21
